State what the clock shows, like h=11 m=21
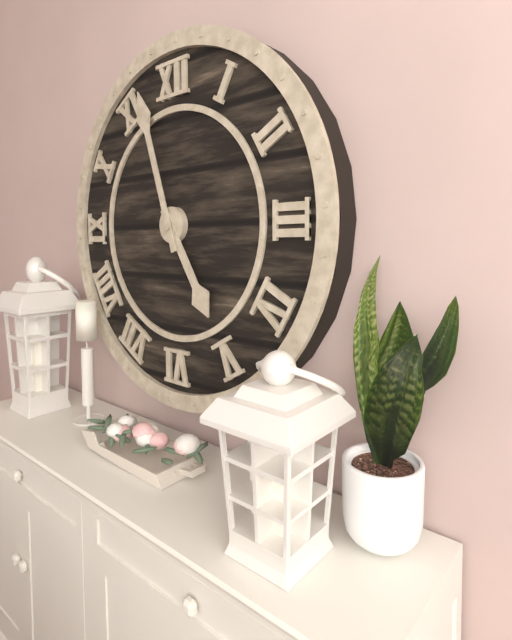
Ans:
h=4 m=57
